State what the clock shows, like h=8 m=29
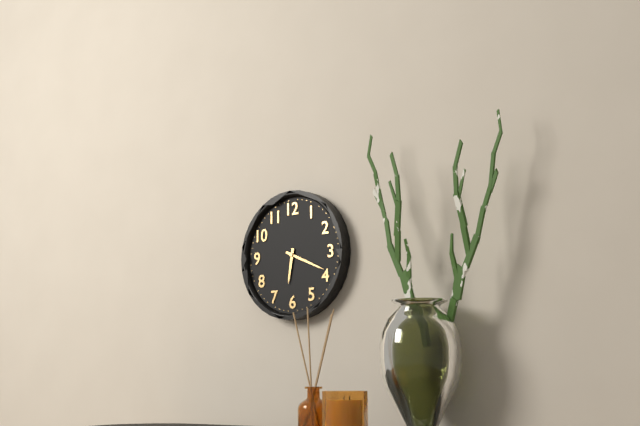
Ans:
h=6 m=19
